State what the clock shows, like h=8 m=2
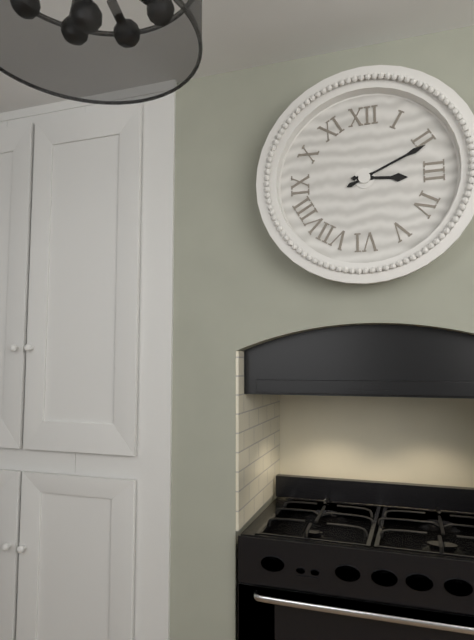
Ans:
h=3 m=11
